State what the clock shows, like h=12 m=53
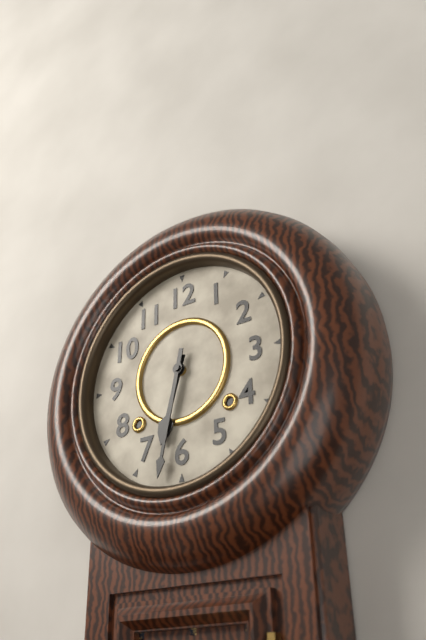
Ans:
h=6 m=32
